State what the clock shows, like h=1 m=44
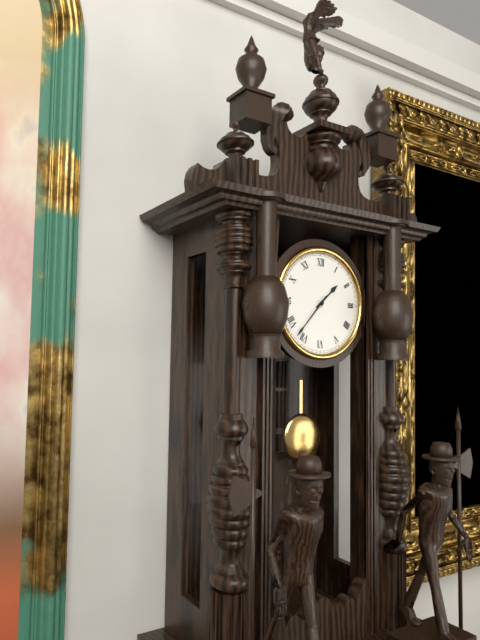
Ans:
h=1 m=37
